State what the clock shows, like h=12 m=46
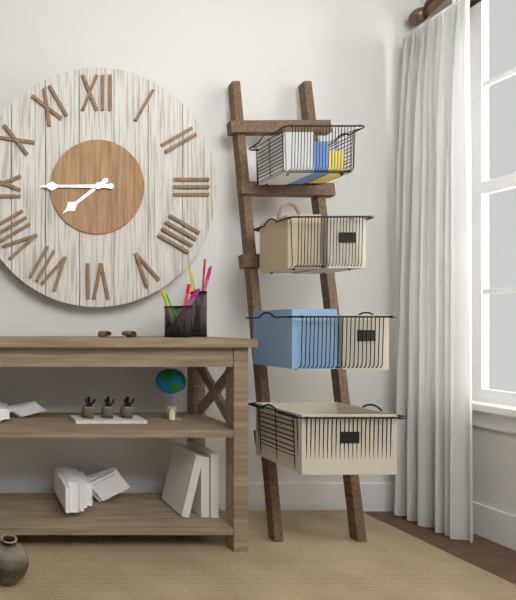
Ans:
h=7 m=45
